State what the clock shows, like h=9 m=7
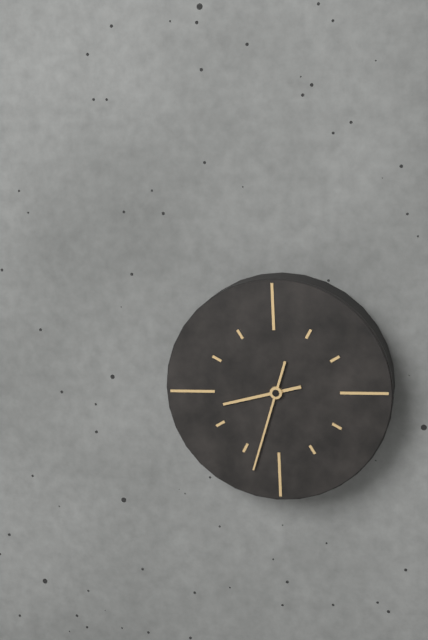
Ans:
h=8 m=33
